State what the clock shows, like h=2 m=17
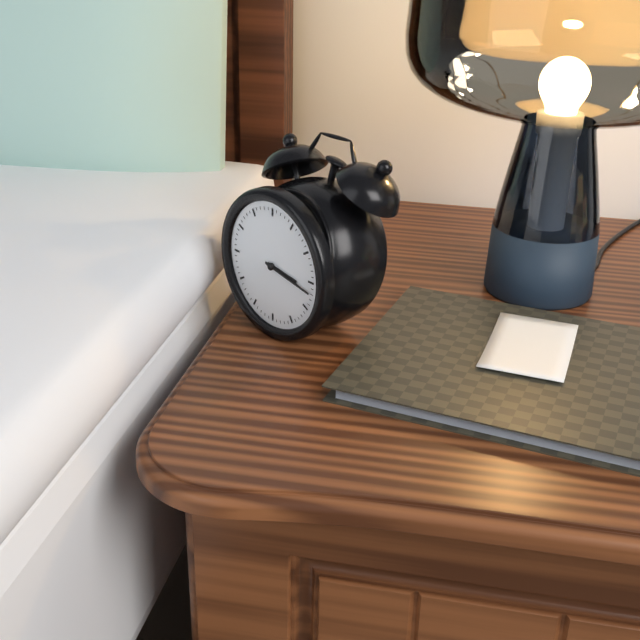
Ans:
h=3 m=17
